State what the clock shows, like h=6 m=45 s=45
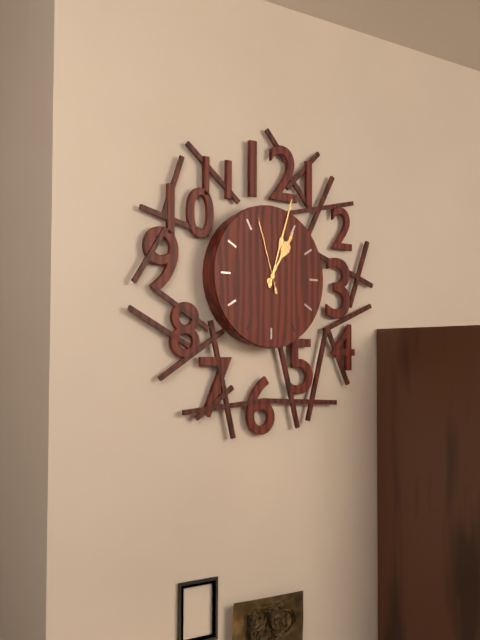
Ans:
h=1 m=3 s=57
